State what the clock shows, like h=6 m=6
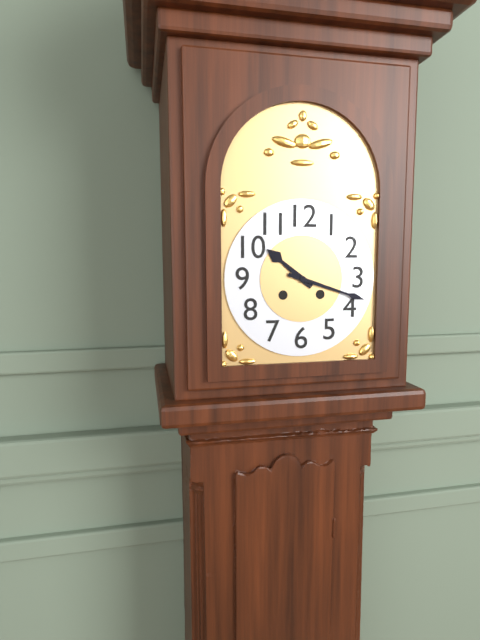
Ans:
h=10 m=18
